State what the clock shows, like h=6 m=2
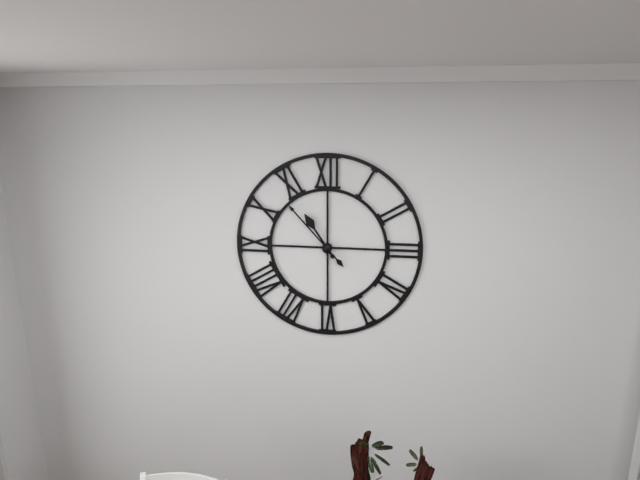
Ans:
h=10 m=53
